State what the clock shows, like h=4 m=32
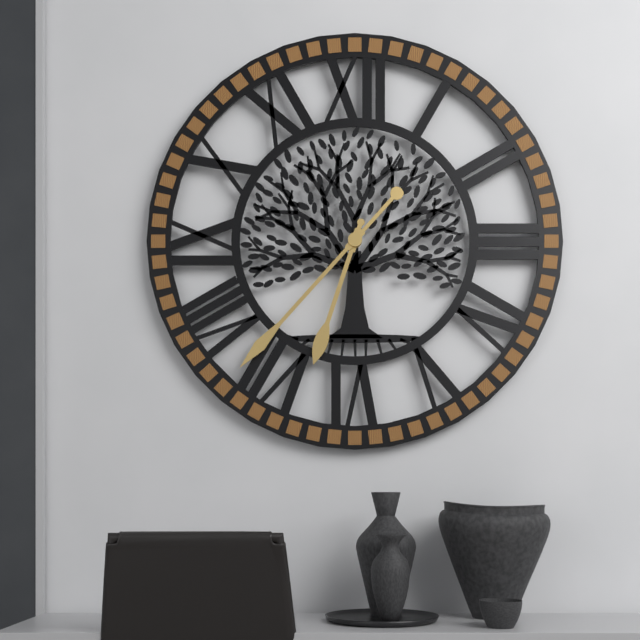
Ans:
h=6 m=37
